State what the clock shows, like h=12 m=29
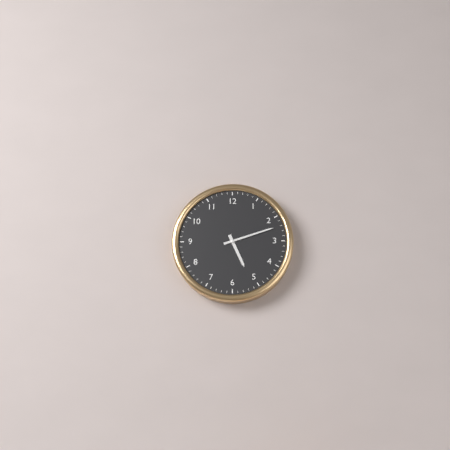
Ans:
h=5 m=12
